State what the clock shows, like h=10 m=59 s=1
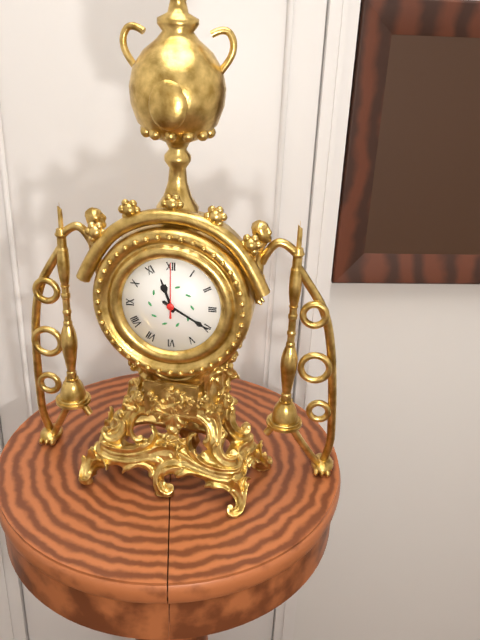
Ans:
h=11 m=20 s=0
